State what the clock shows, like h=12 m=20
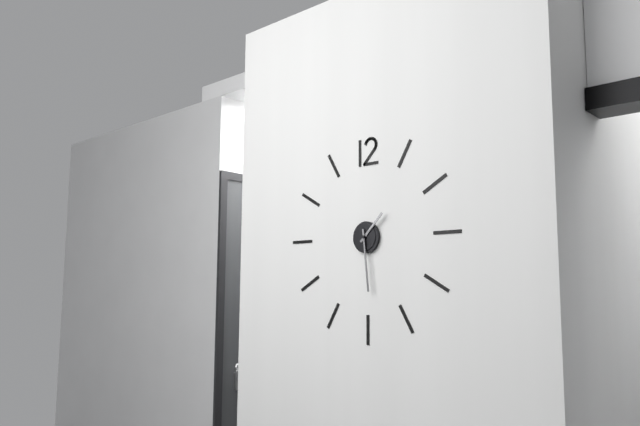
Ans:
h=1 m=29
